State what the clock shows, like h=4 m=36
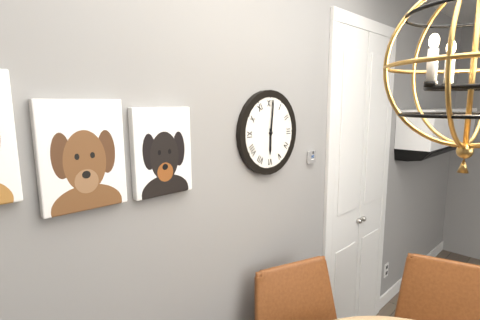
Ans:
h=6 m=1
